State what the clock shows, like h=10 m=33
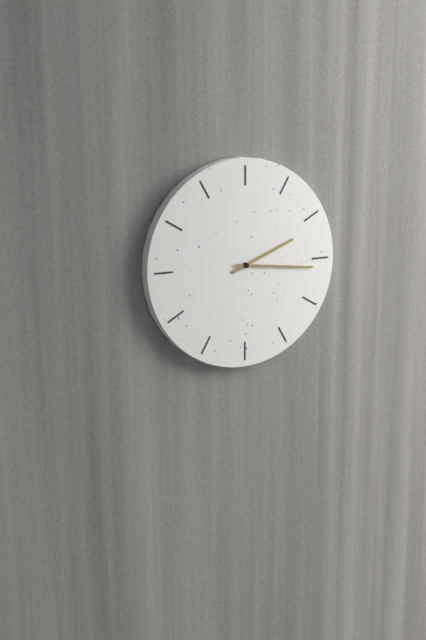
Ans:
h=2 m=16
